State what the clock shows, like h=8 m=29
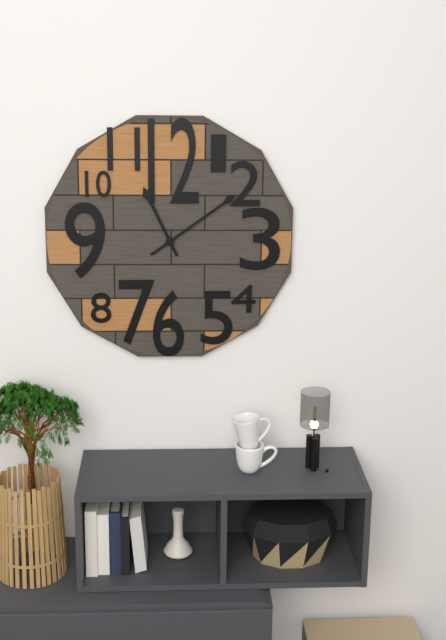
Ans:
h=11 m=9
